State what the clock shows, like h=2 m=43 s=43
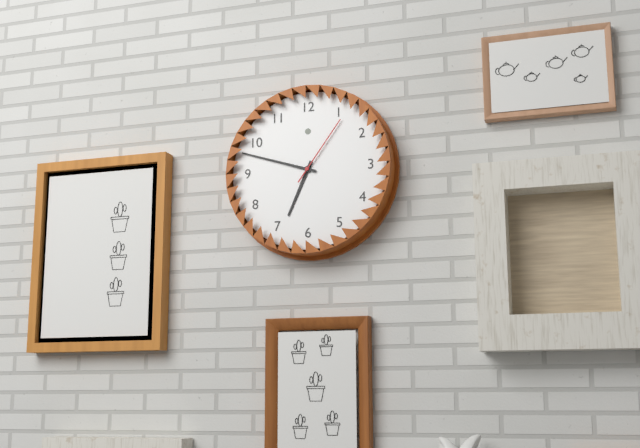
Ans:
h=6 m=48 s=6
